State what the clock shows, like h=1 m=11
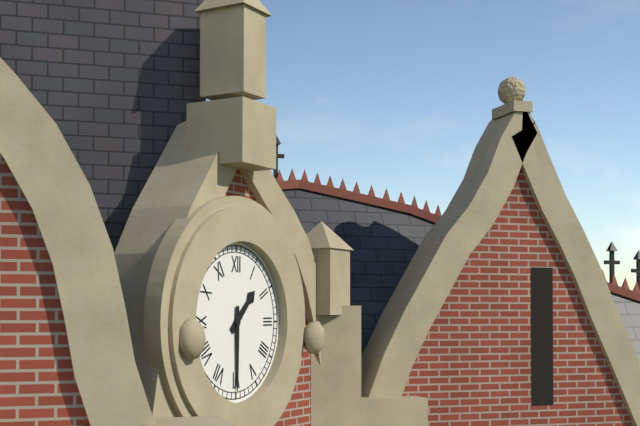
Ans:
h=1 m=30
